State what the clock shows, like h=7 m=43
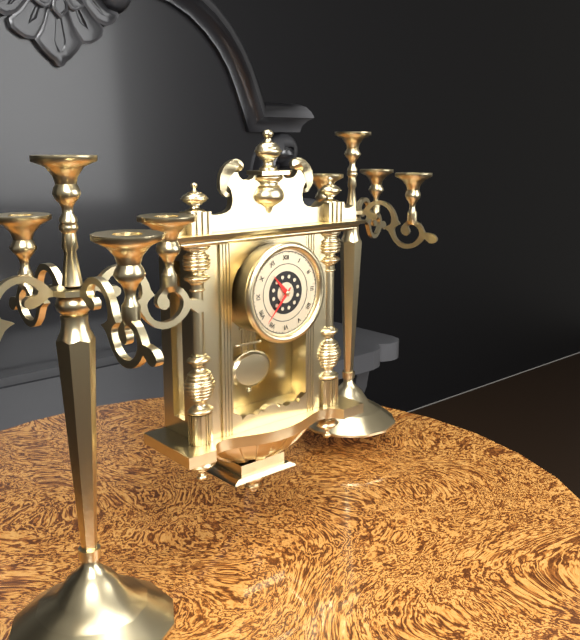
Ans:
h=10 m=37
